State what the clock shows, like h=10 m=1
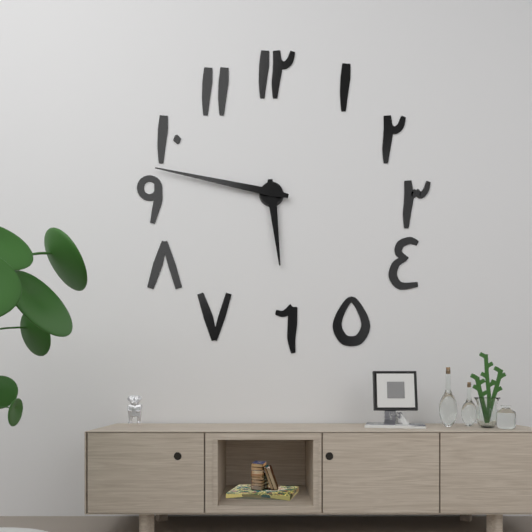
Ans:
h=5 m=47
